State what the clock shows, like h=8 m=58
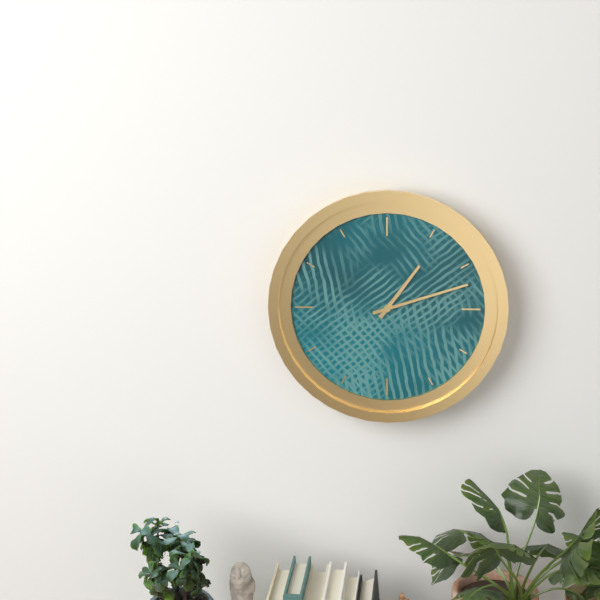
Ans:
h=1 m=12
